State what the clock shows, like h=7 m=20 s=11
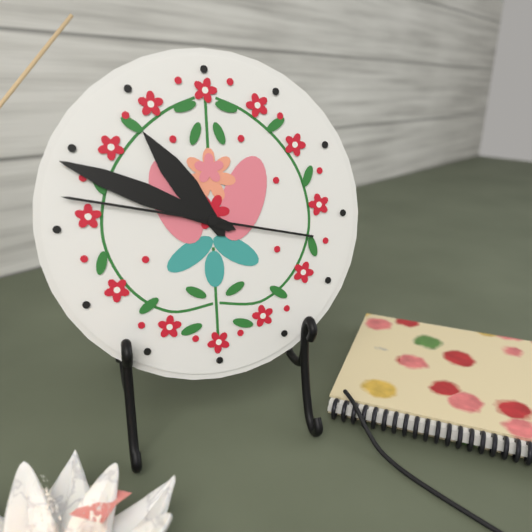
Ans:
h=10 m=49 s=47
